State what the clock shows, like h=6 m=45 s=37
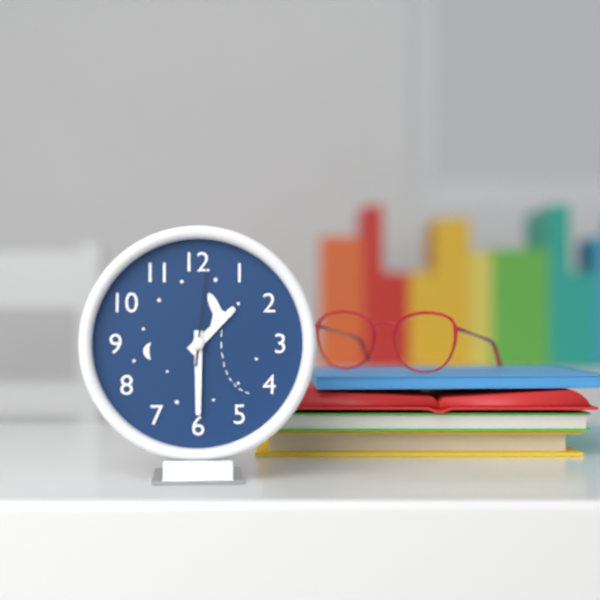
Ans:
h=1 m=30 s=1
